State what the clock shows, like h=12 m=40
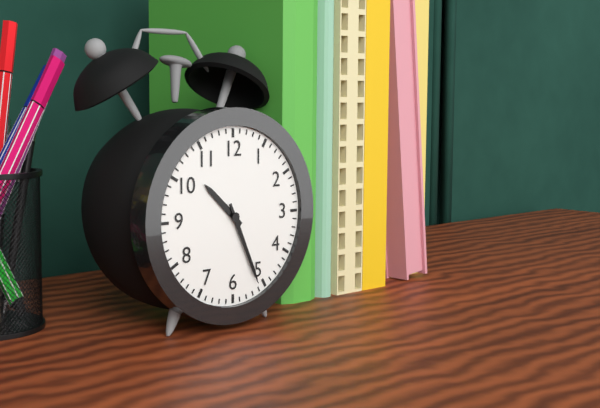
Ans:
h=10 m=26
